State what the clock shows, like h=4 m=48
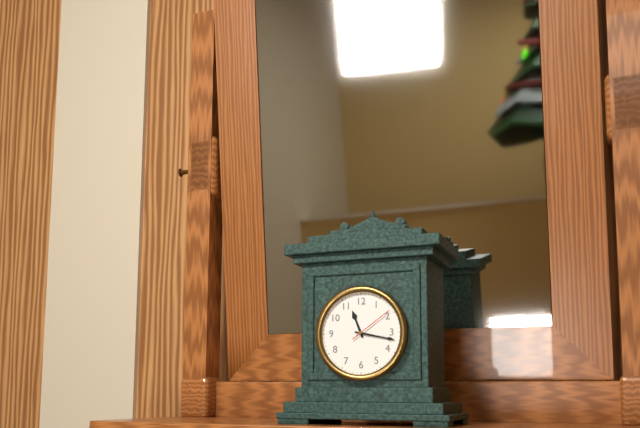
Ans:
h=11 m=17
